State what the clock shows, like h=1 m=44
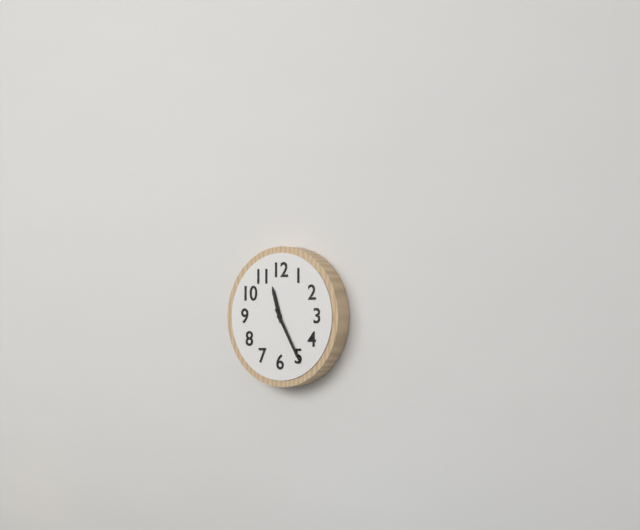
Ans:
h=11 m=25
